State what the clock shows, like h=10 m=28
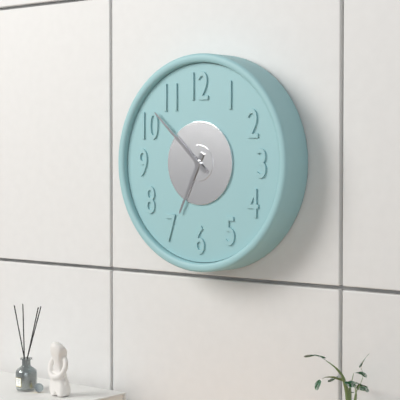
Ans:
h=6 m=52
